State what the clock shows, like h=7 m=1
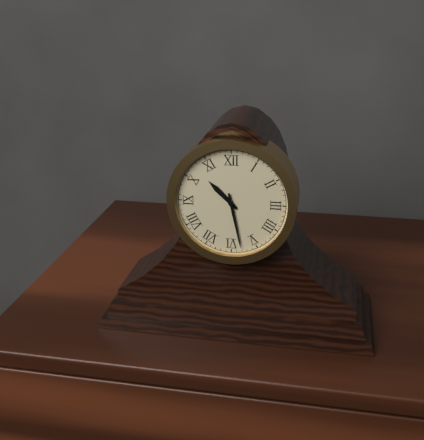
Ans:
h=10 m=28
